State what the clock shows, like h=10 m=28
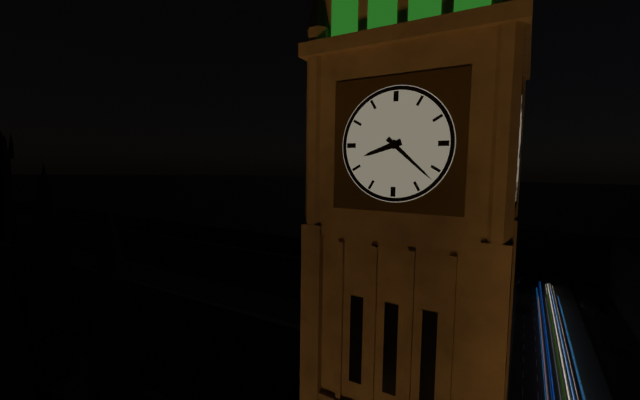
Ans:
h=8 m=22
